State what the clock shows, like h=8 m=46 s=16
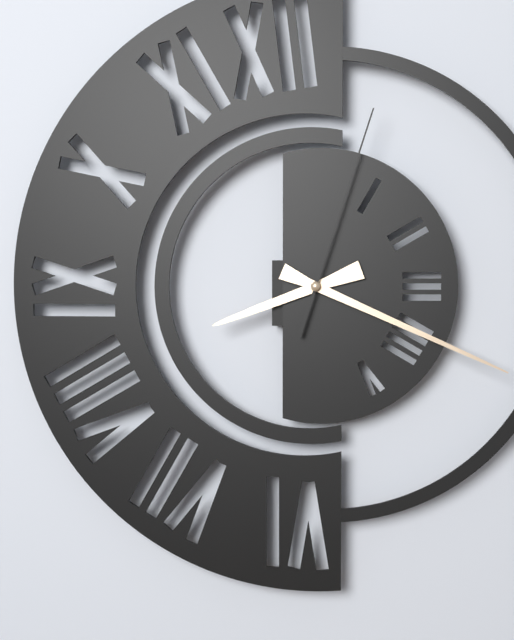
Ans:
h=8 m=19 s=3
